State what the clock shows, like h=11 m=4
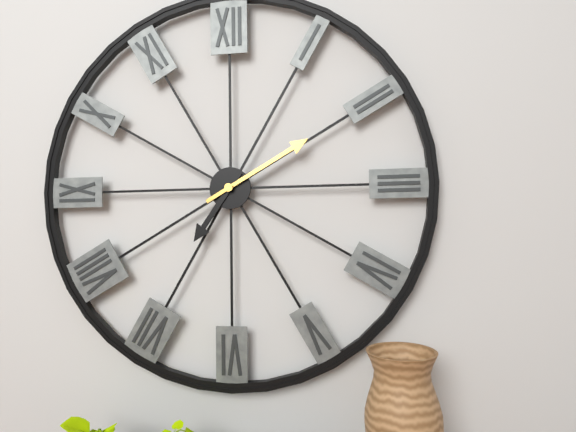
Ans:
h=7 m=10
